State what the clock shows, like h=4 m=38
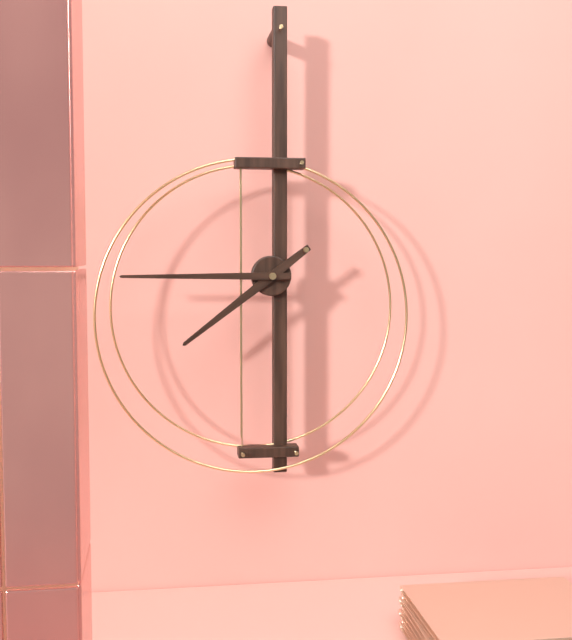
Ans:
h=7 m=45
